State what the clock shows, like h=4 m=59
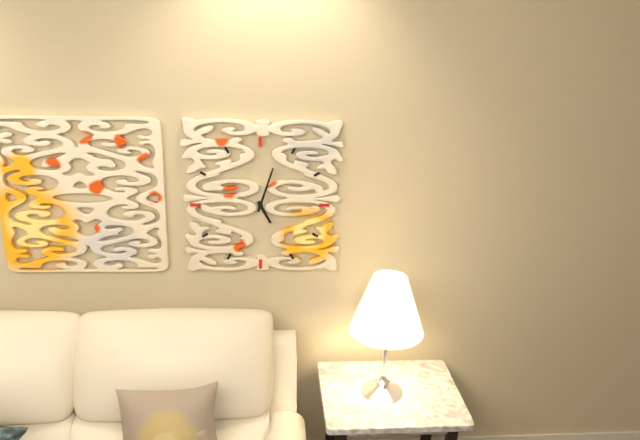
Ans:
h=5 m=3
